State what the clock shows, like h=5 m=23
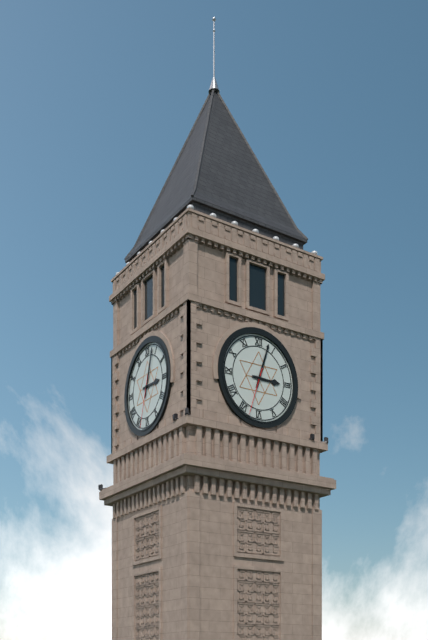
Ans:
h=3 m=3
